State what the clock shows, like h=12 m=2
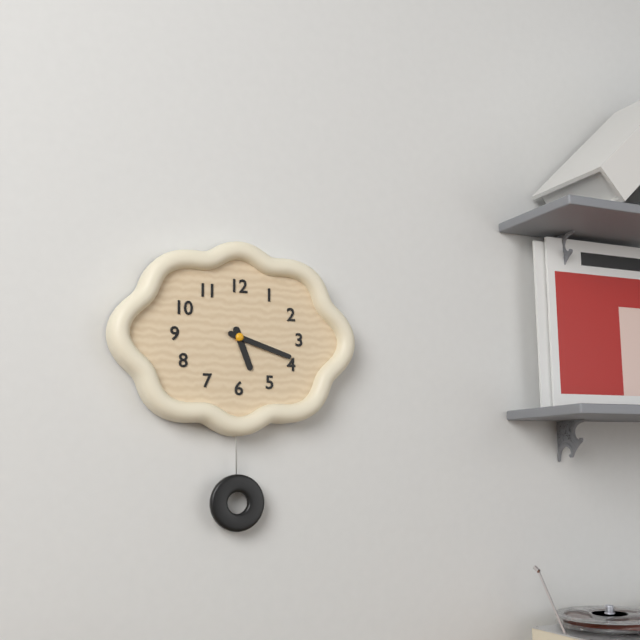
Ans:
h=5 m=18
